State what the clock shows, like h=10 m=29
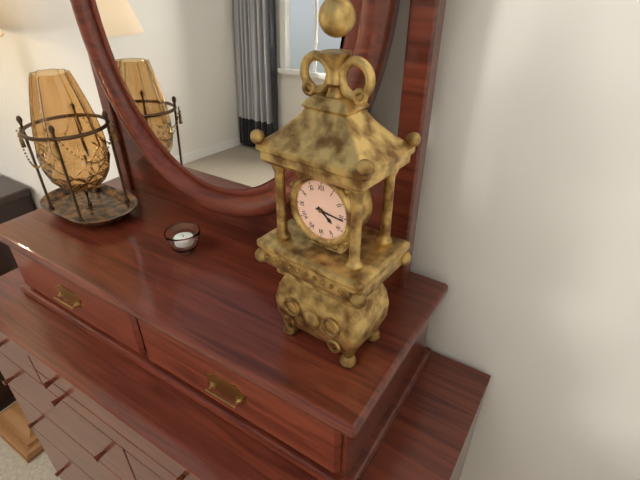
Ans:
h=4 m=16
